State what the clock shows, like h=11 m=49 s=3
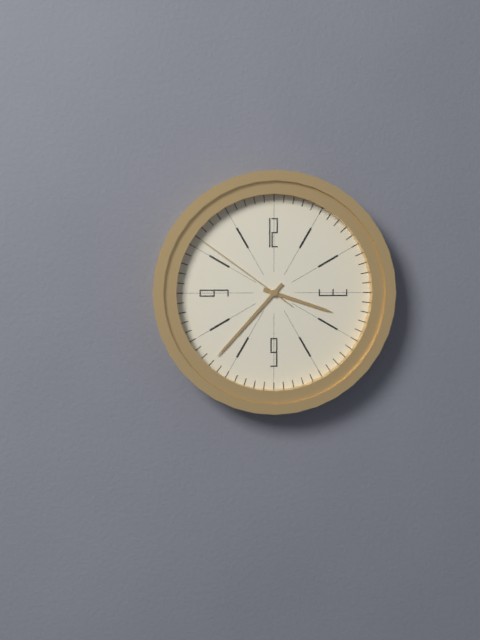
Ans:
h=3 m=37 s=51
